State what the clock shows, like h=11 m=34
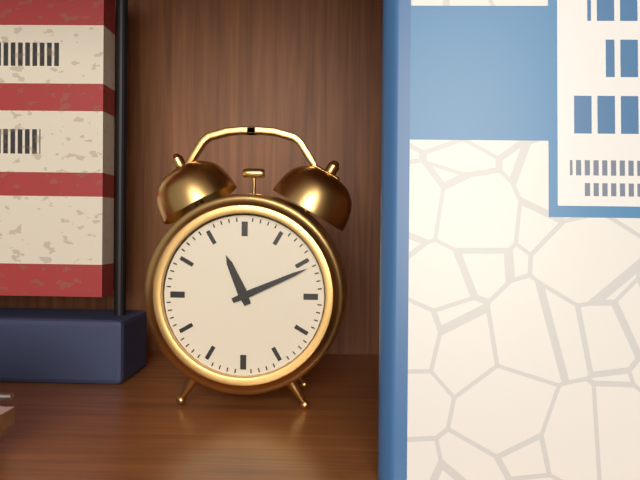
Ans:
h=11 m=11
